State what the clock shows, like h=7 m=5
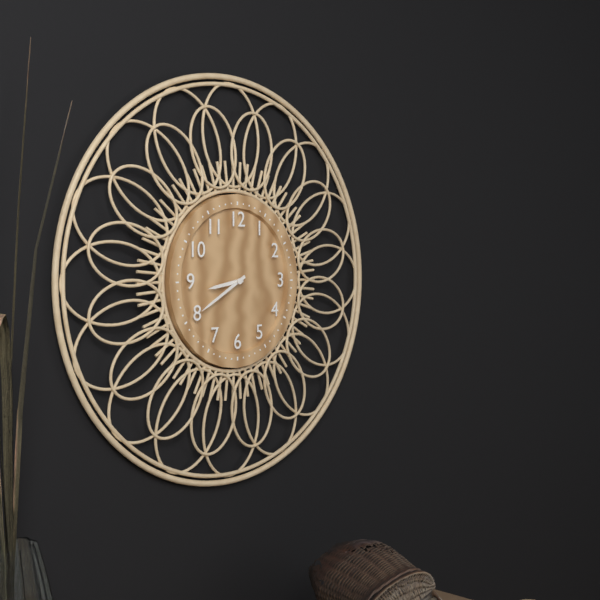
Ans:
h=8 m=40
